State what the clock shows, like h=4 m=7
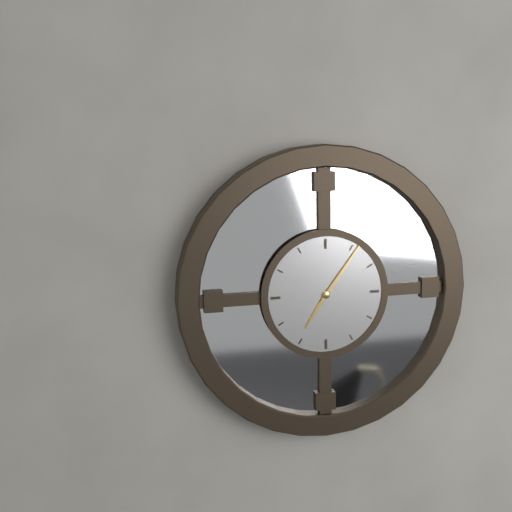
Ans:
h=7 m=6
